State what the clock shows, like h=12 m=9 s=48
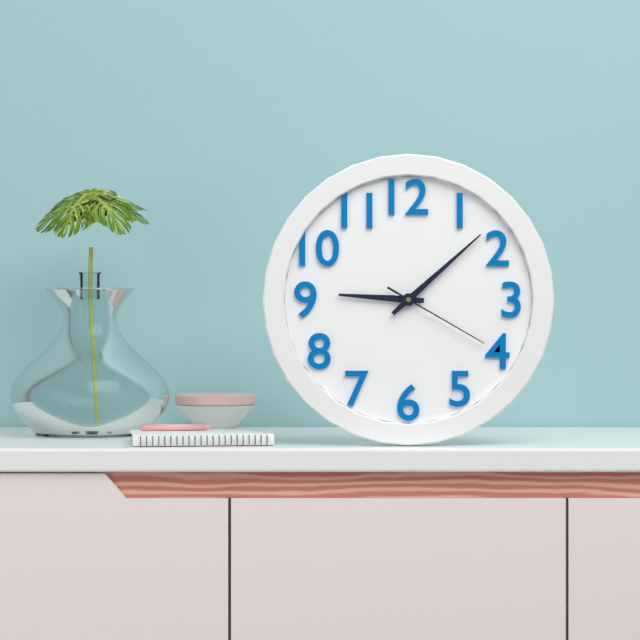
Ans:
h=9 m=8 s=20
